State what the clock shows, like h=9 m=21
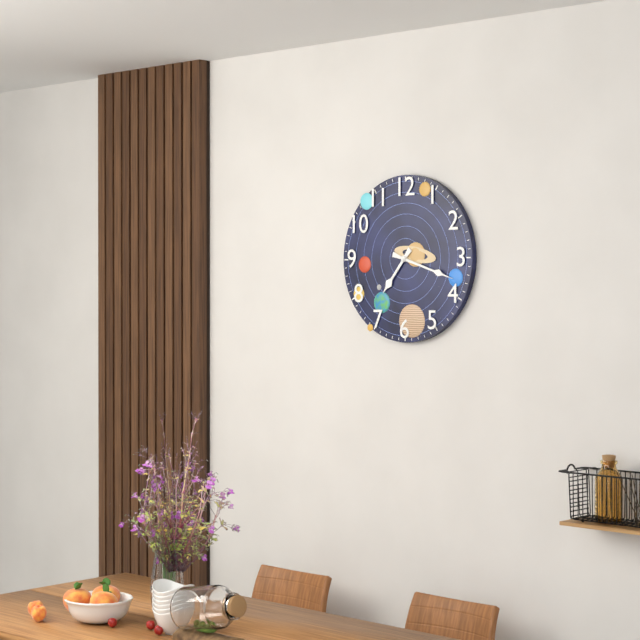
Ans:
h=7 m=18
